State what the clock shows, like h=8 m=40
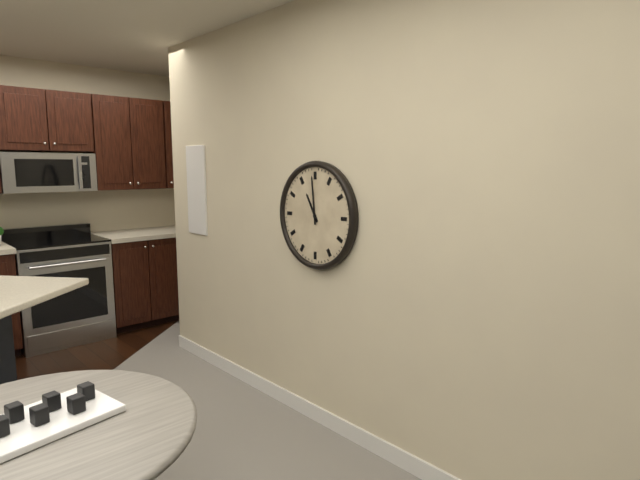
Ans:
h=10 m=59
